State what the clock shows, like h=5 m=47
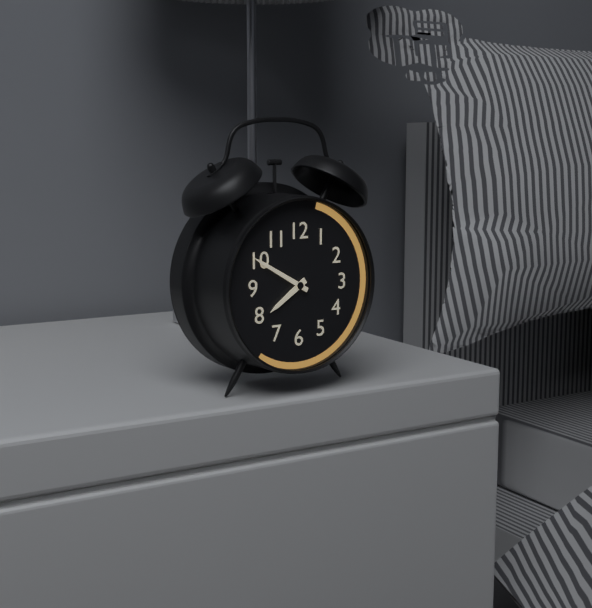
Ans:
h=7 m=50
